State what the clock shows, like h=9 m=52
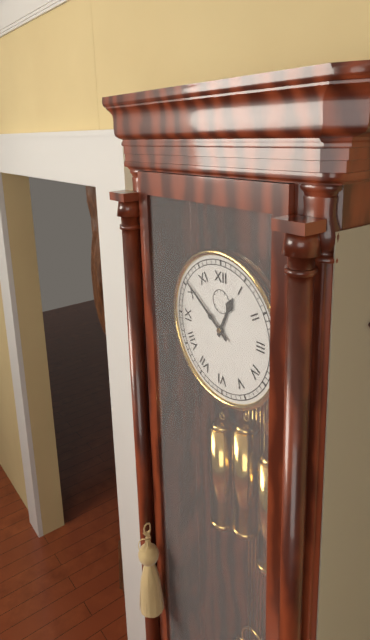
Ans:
h=12 m=51
